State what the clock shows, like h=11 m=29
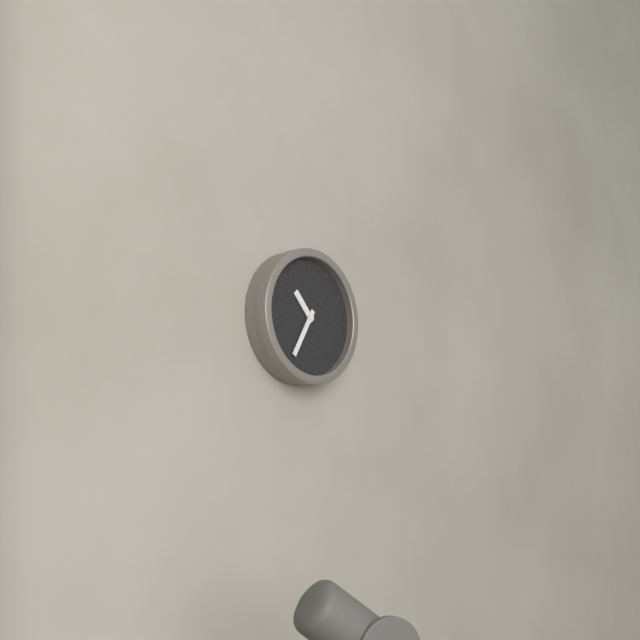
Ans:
h=10 m=35
